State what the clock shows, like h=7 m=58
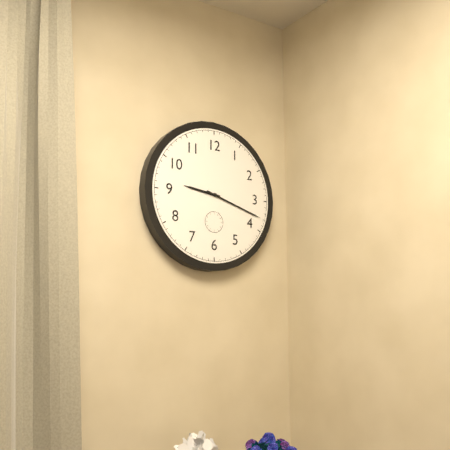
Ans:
h=9 m=18
